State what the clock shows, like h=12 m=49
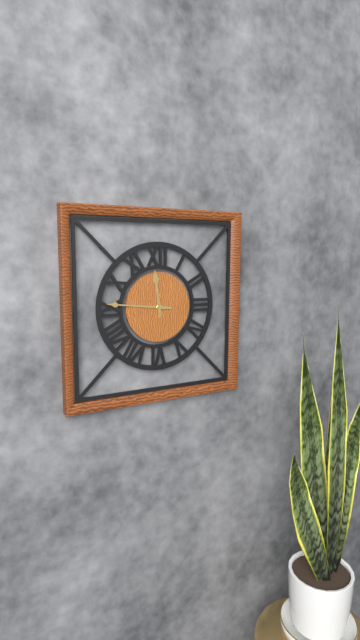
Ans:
h=11 m=46
